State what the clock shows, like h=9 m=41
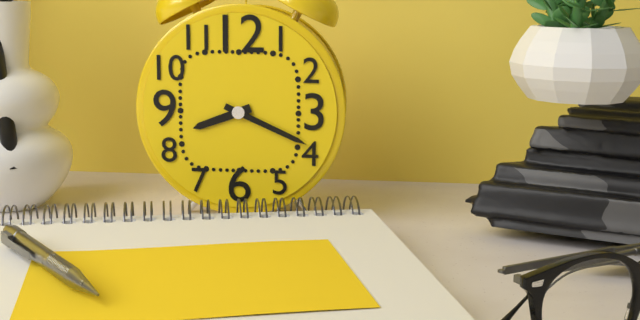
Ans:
h=8 m=19
